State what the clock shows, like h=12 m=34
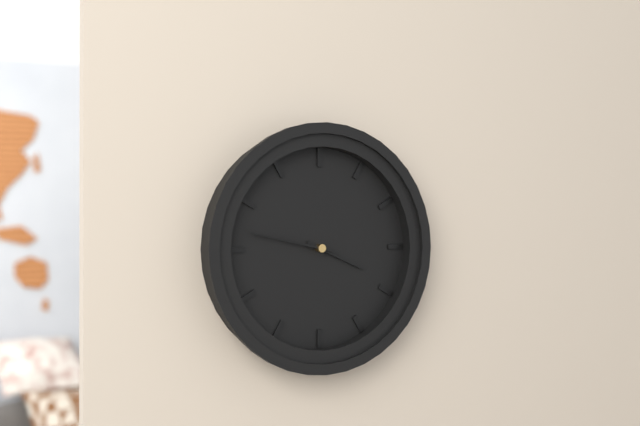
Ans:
h=3 m=47
